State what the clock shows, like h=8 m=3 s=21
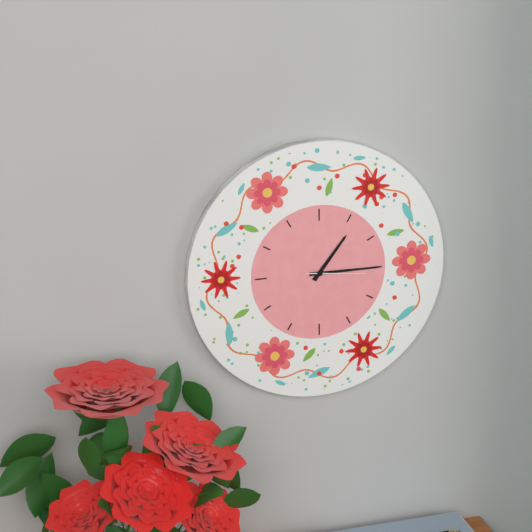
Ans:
h=1 m=15 s=16
